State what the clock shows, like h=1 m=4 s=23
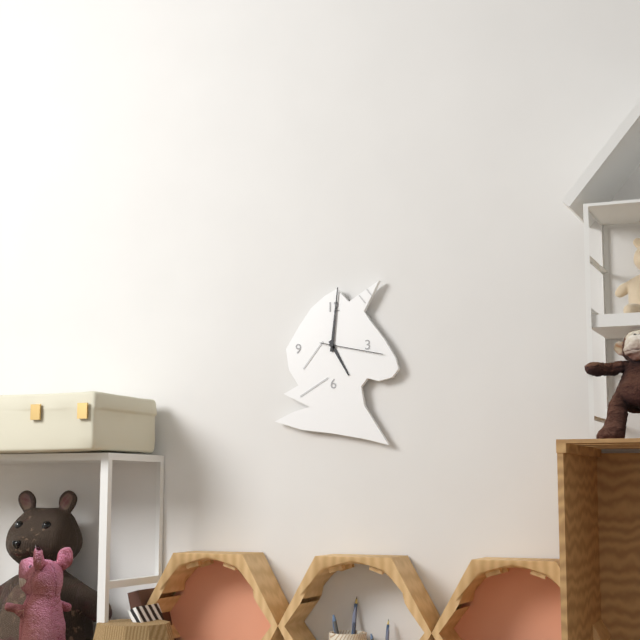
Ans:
h=5 m=1 s=17
